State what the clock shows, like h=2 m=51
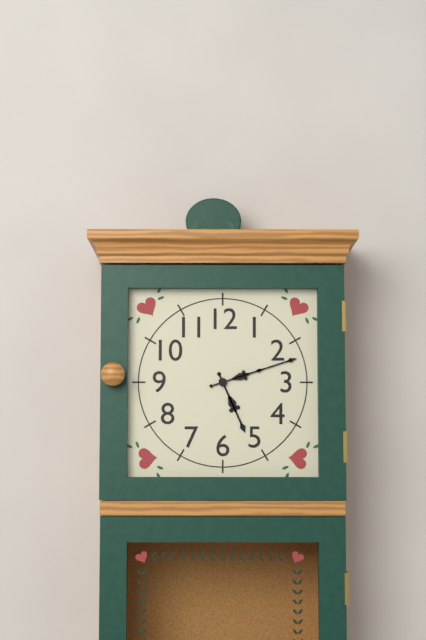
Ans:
h=5 m=12
